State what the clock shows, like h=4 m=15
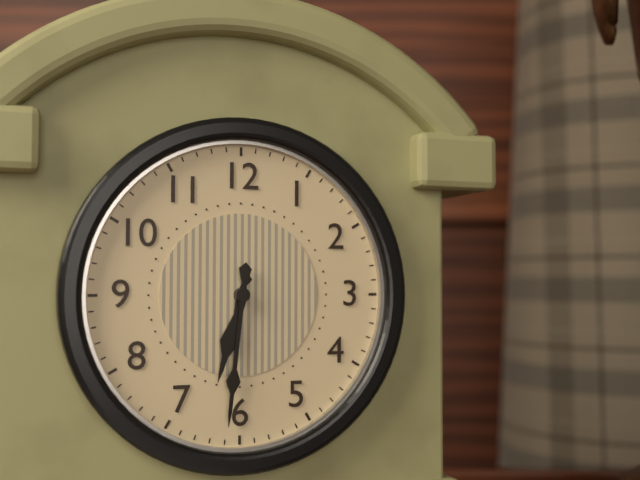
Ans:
h=6 m=31
